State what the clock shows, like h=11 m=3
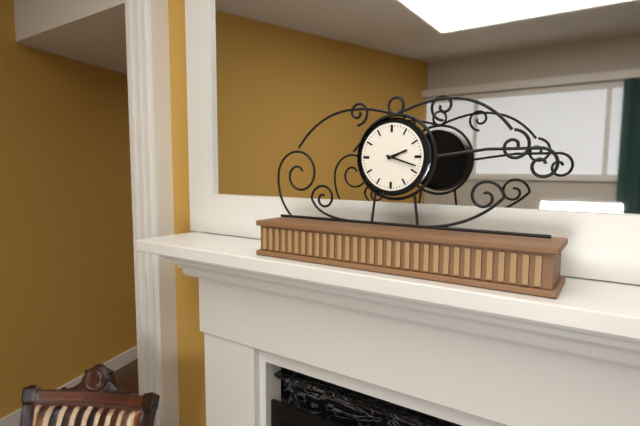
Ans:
h=2 m=18
